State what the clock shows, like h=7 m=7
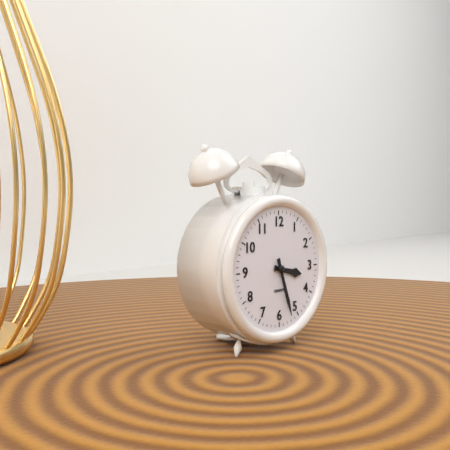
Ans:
h=3 m=27
